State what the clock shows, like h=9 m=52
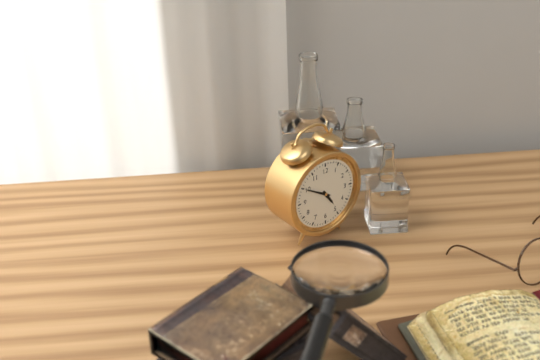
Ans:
h=4 m=50
